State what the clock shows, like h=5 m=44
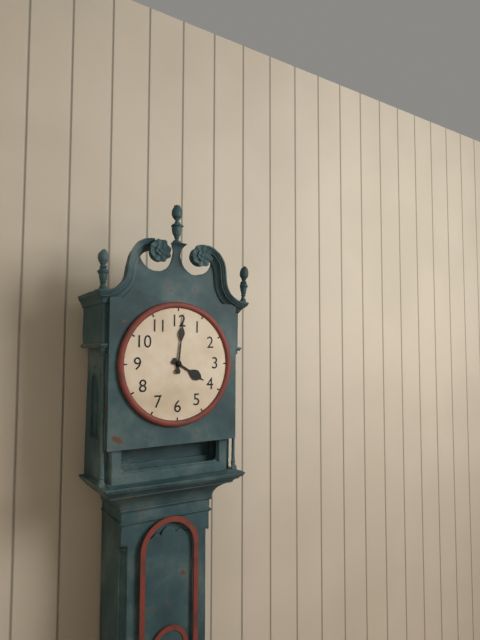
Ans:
h=4 m=1
